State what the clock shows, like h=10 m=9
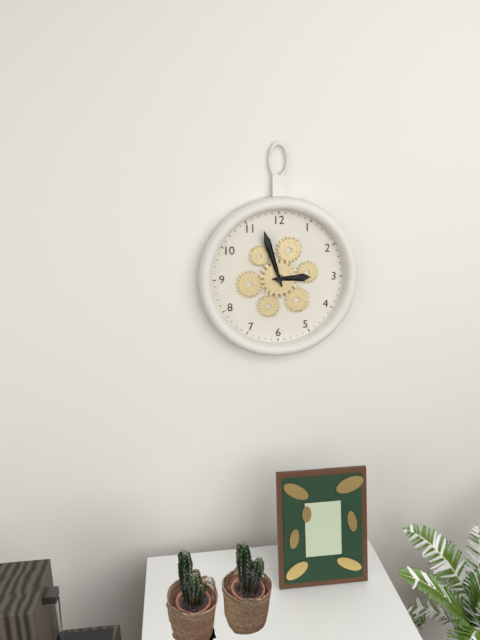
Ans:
h=2 m=57
